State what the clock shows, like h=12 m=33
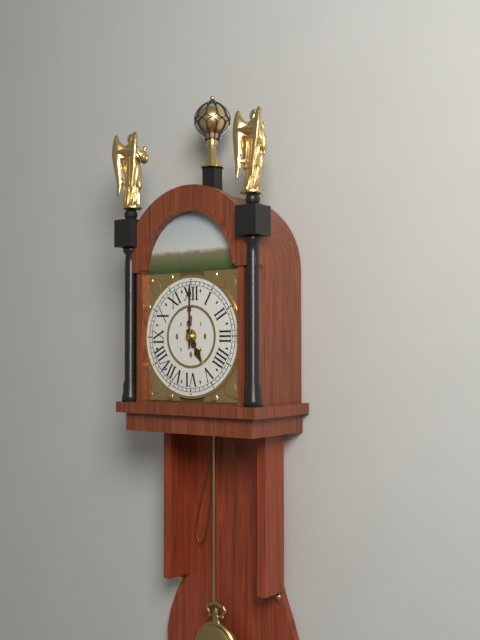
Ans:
h=5 m=0
